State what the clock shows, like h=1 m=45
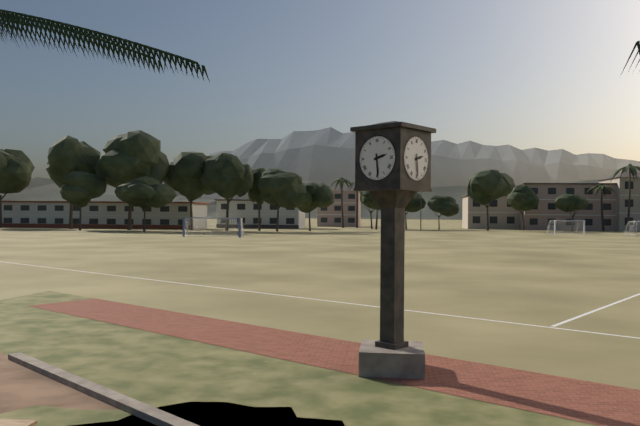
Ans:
h=2 m=29
